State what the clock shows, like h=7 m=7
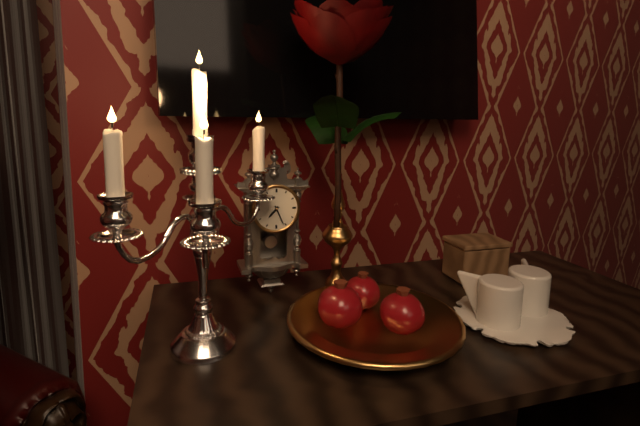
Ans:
h=7 m=26
